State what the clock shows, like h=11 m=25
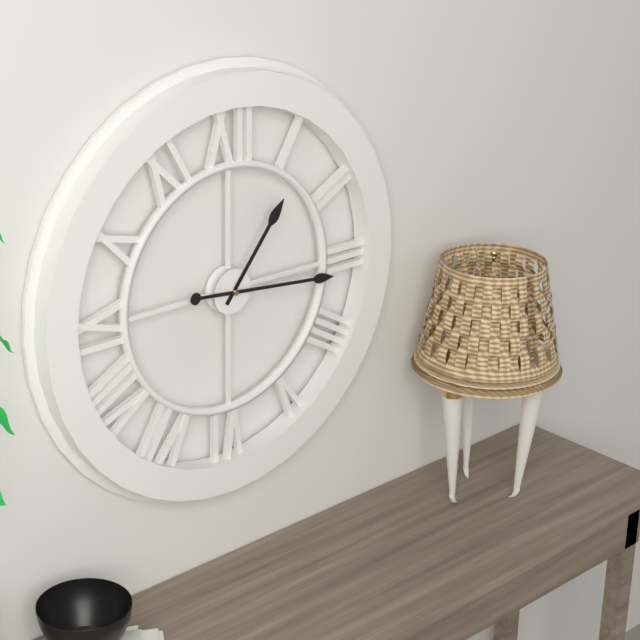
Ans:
h=1 m=16
